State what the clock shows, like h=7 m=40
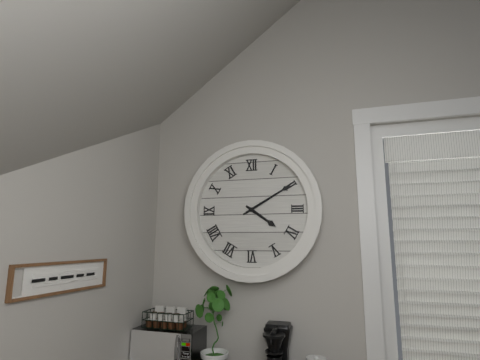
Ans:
h=4 m=10
